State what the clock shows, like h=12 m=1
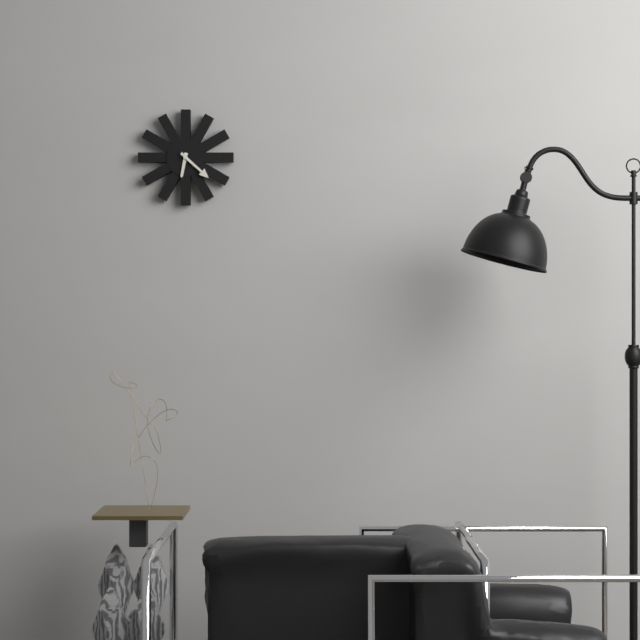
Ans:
h=6 m=22
